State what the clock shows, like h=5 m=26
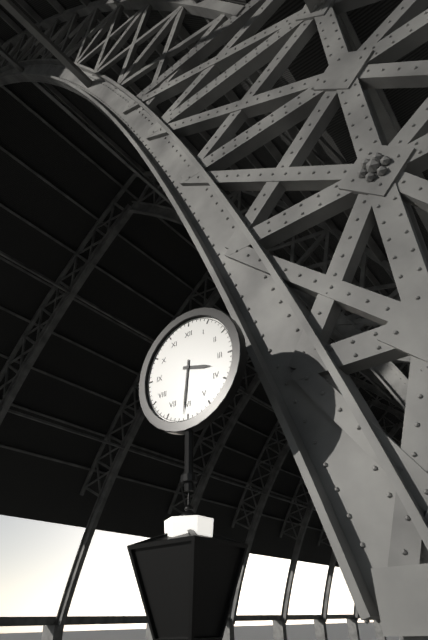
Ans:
h=3 m=31
